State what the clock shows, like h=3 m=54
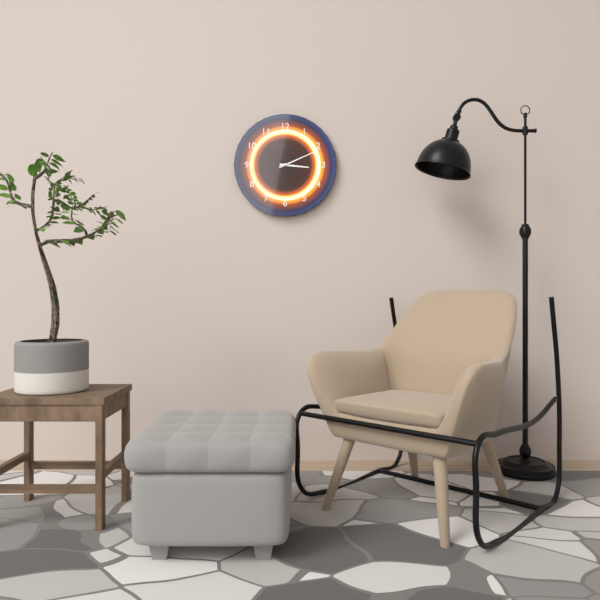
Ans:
h=3 m=11
